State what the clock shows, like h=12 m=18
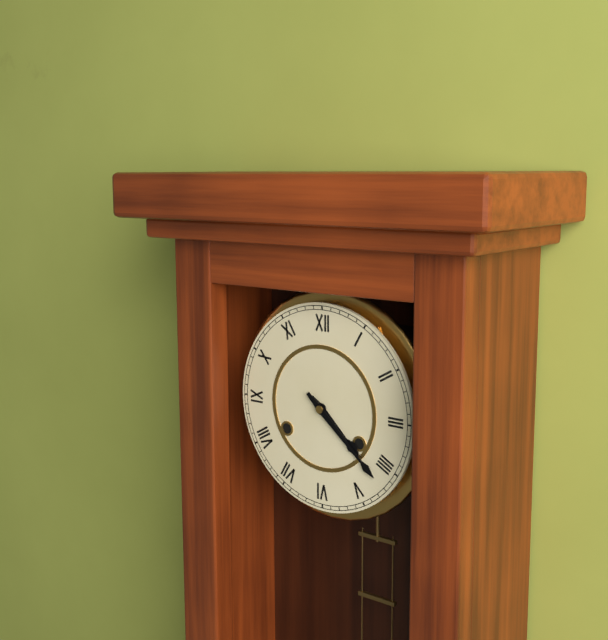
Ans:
h=4 m=22
